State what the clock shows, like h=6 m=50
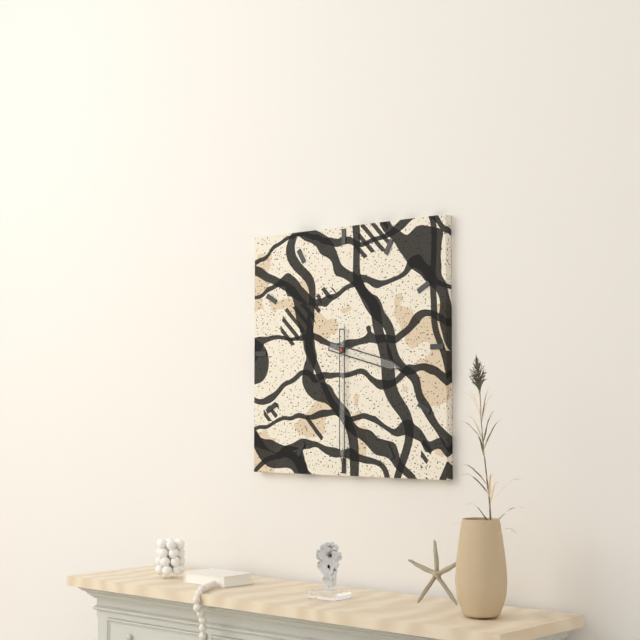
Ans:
h=3 m=30
